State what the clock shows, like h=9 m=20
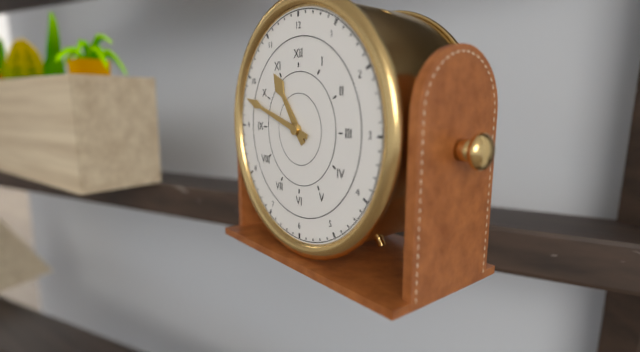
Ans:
h=10 m=48
